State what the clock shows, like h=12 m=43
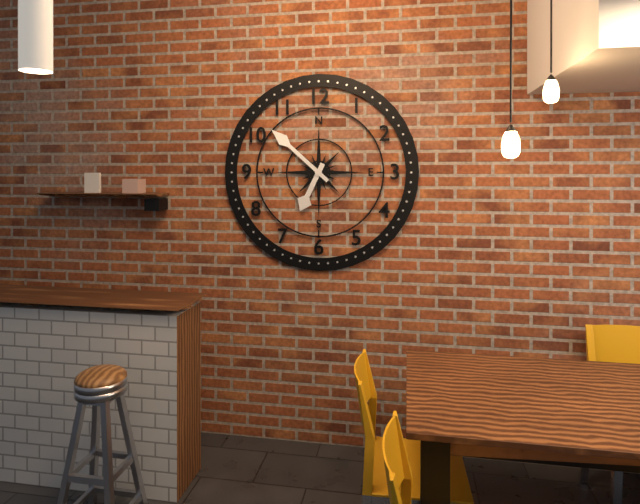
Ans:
h=6 m=52
